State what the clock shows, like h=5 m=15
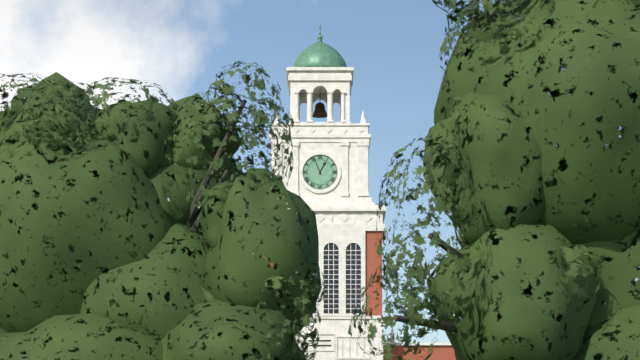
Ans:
h=12 m=56
